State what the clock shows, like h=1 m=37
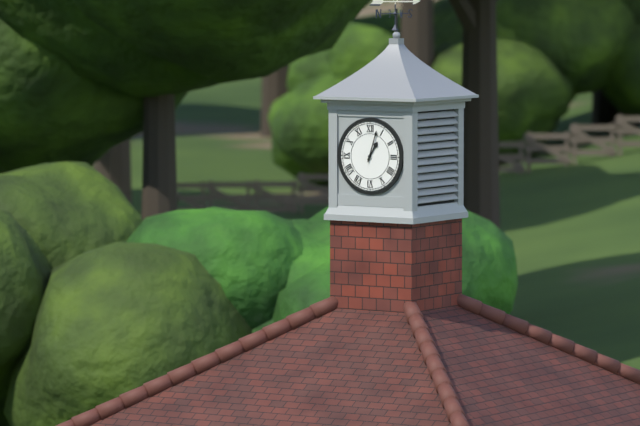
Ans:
h=1 m=3
